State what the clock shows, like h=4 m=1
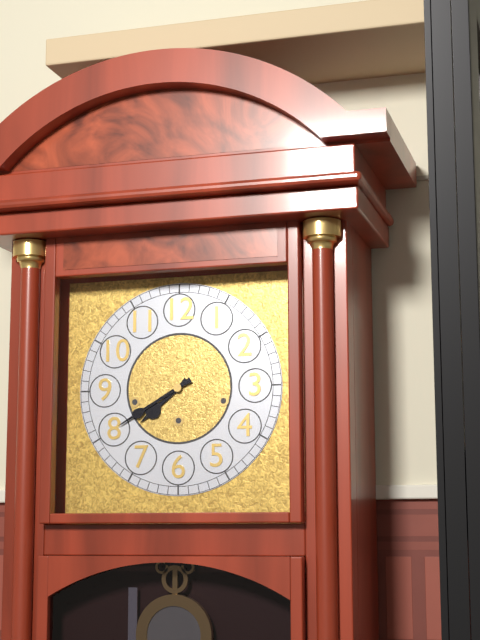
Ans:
h=7 m=40
